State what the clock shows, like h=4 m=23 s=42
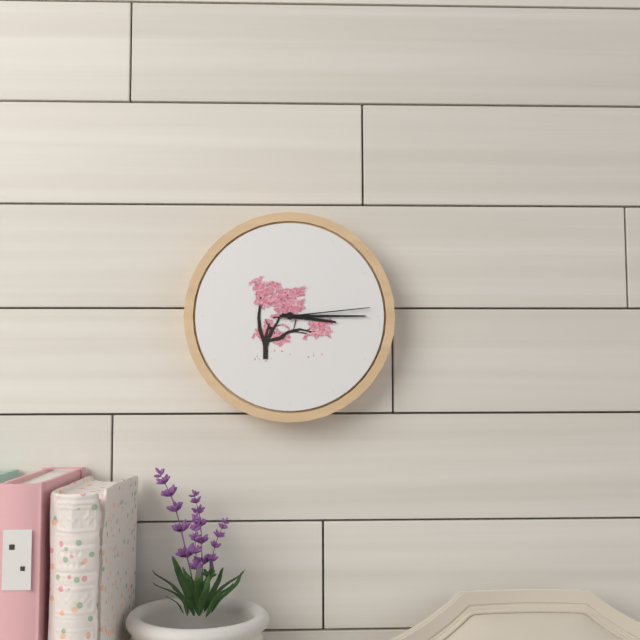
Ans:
h=3 m=15 s=14
